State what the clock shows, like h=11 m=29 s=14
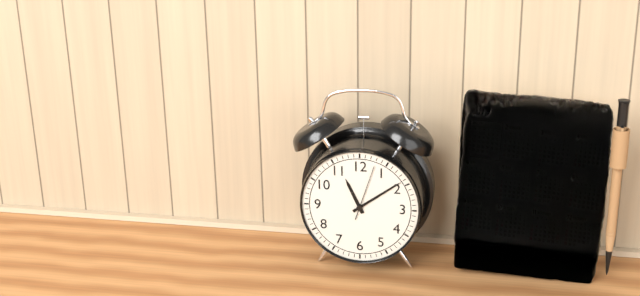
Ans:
h=11 m=9 s=3
